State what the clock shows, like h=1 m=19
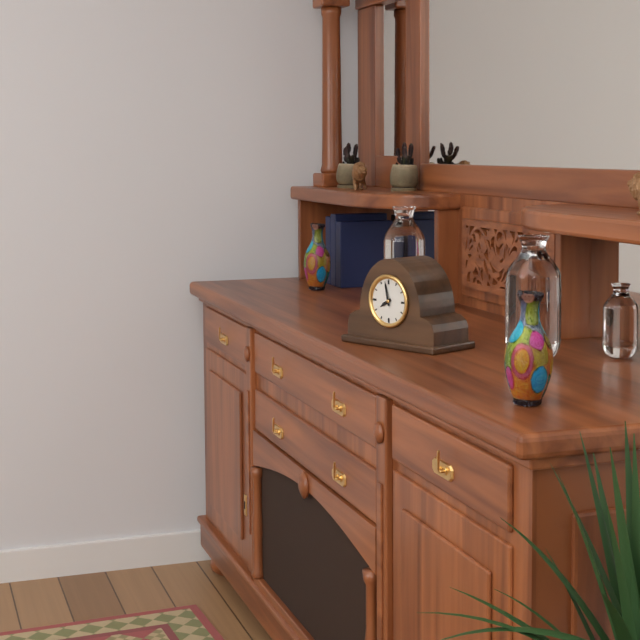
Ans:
h=7 m=58
